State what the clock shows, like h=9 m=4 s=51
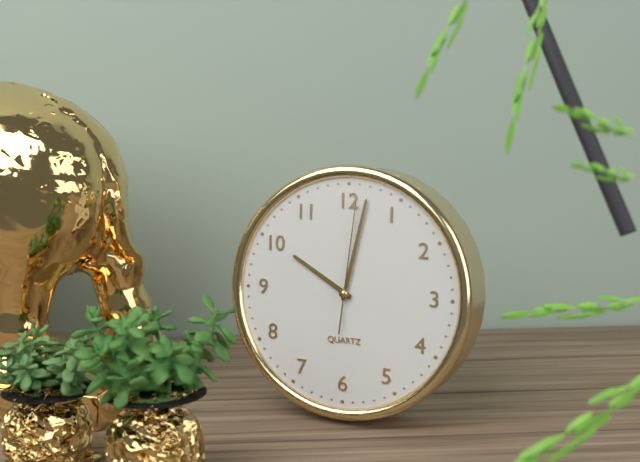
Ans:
h=10 m=2 s=1
